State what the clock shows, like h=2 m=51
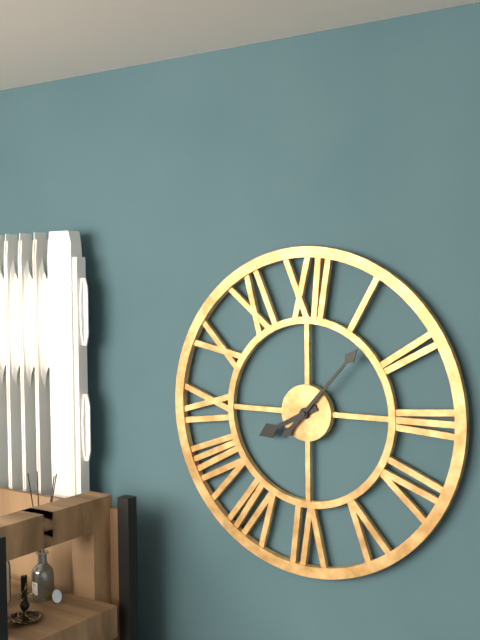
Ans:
h=8 m=7
